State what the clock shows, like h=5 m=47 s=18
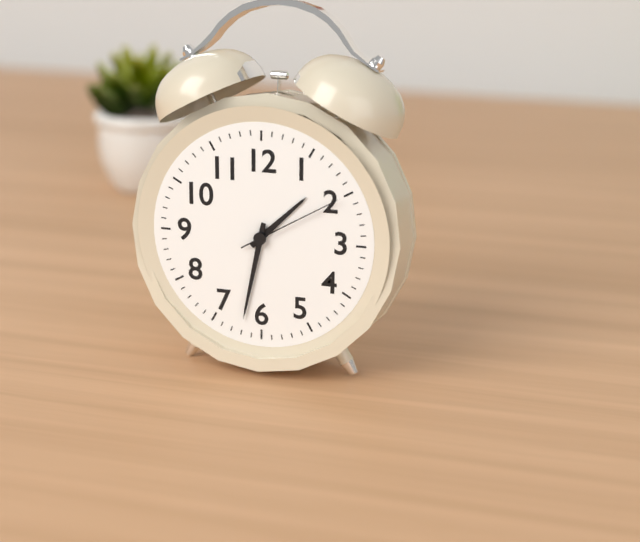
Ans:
h=1 m=32 s=10
